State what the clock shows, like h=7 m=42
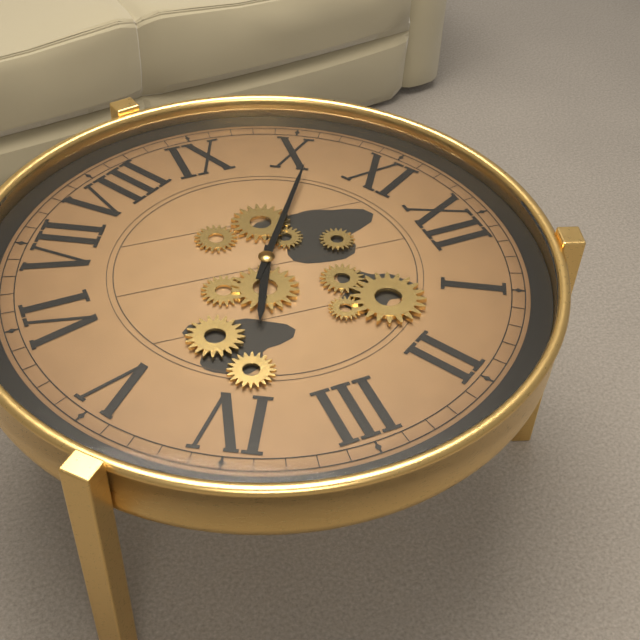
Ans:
h=3 m=51
